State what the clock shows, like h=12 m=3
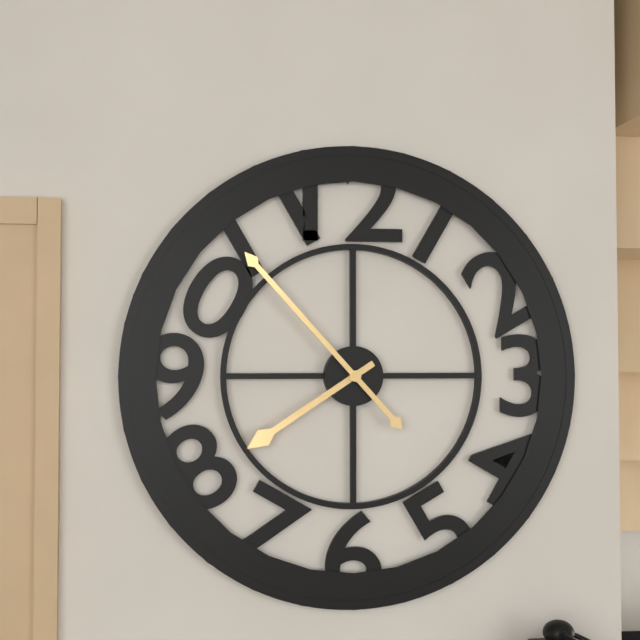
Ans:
h=7 m=53
